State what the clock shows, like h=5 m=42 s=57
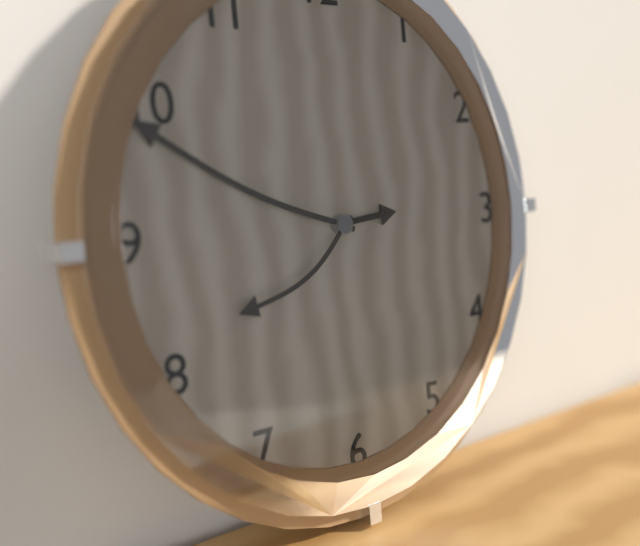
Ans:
h=2 m=49 s=40
